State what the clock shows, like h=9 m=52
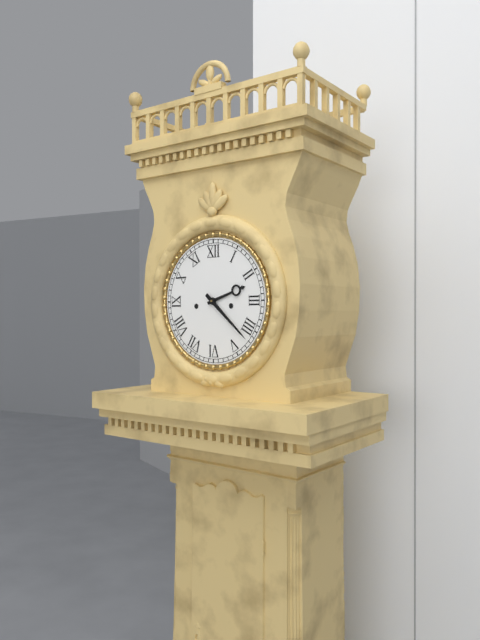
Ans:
h=2 m=22
